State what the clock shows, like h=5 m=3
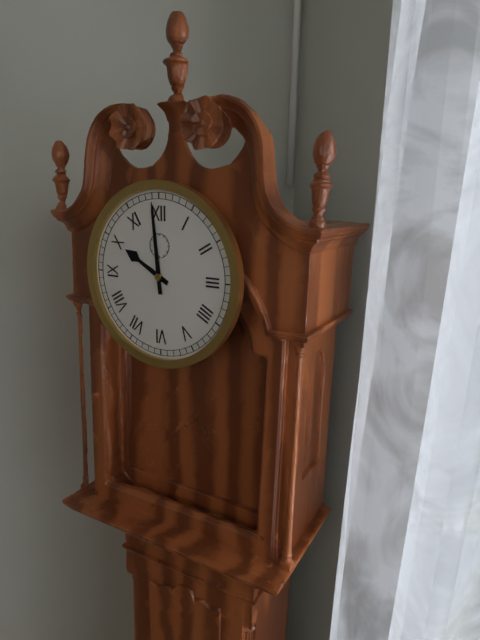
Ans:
h=9 m=59
